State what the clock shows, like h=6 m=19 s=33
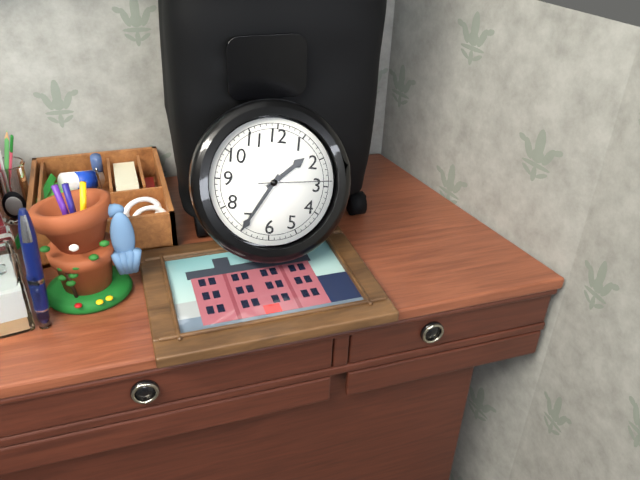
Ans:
h=1 m=35 s=14
